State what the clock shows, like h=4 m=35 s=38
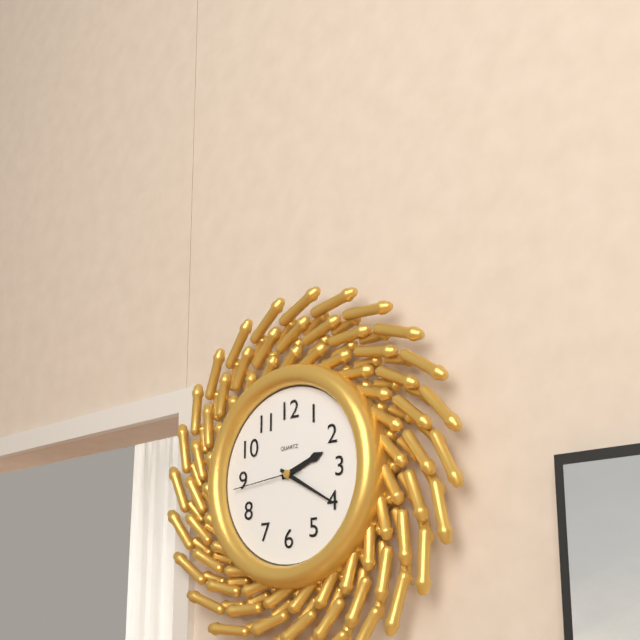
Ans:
h=2 m=20 s=44
